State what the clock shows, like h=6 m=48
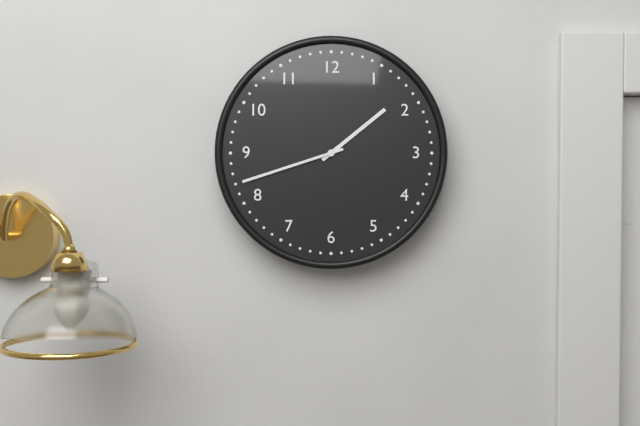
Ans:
h=1 m=42
